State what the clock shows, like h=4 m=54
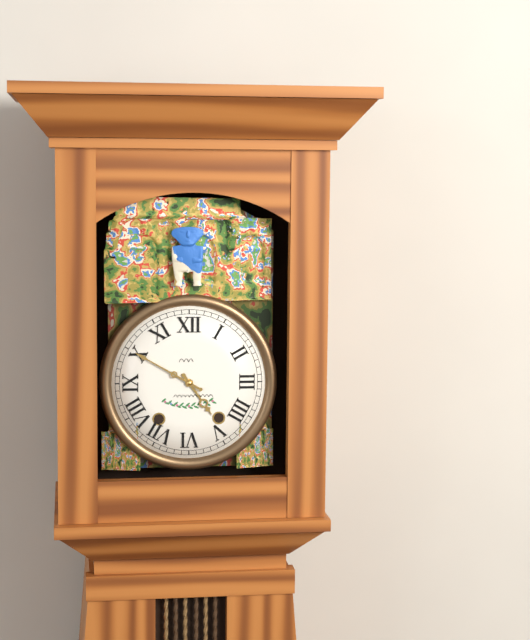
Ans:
h=4 m=50
